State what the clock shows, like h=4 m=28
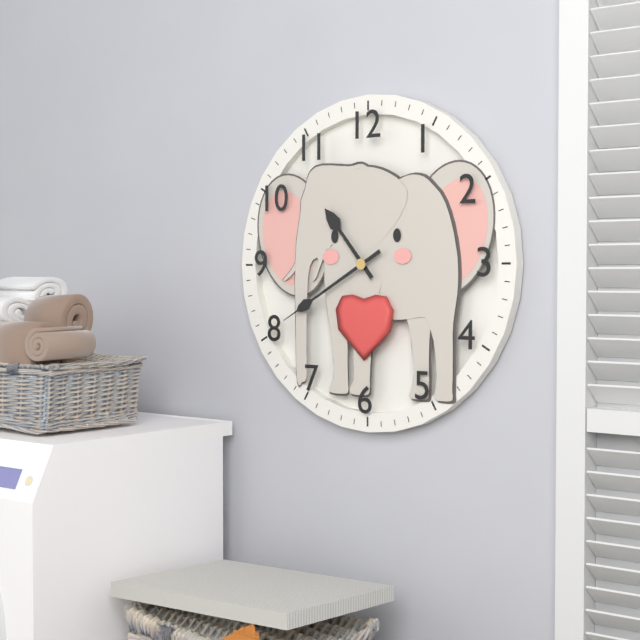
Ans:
h=10 m=40
